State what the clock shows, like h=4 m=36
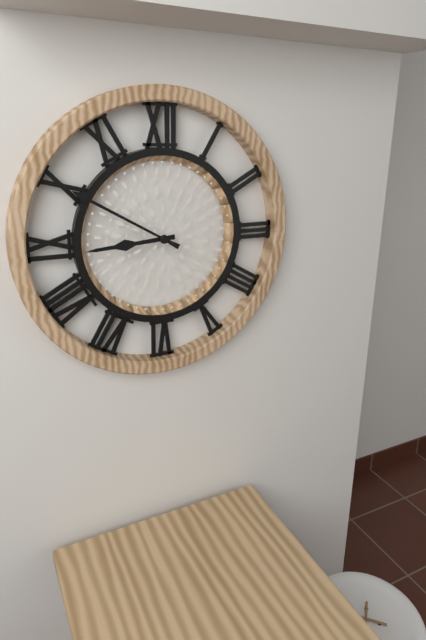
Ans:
h=8 m=50
